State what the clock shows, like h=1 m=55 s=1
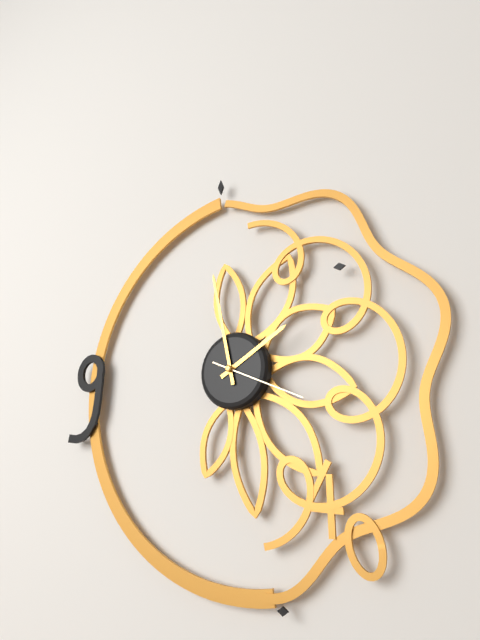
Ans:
h=1 m=58 s=19
